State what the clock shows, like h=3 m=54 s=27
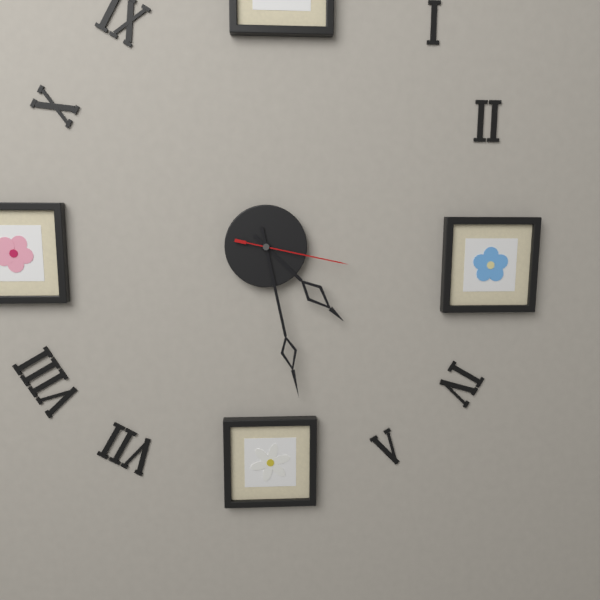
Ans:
h=4 m=28 s=17
